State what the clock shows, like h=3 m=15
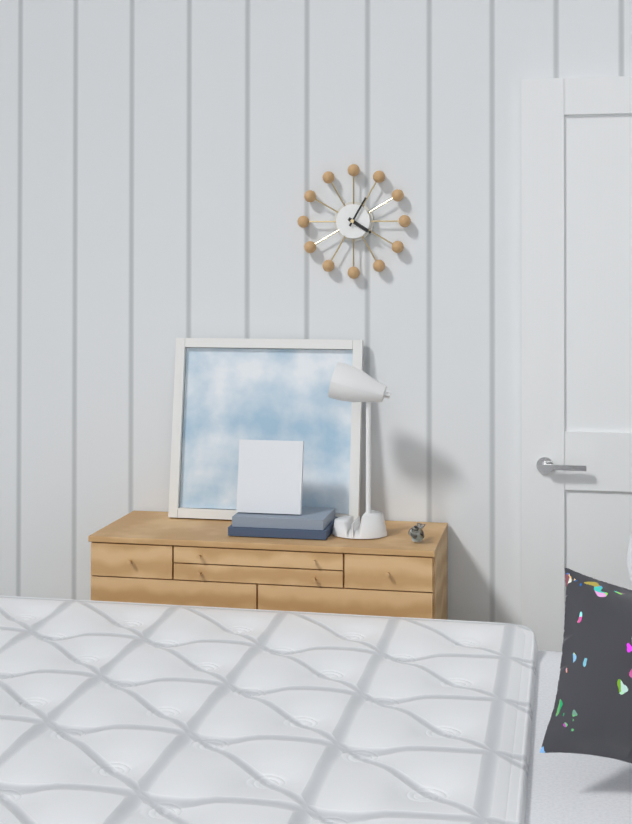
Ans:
h=4 m=5
